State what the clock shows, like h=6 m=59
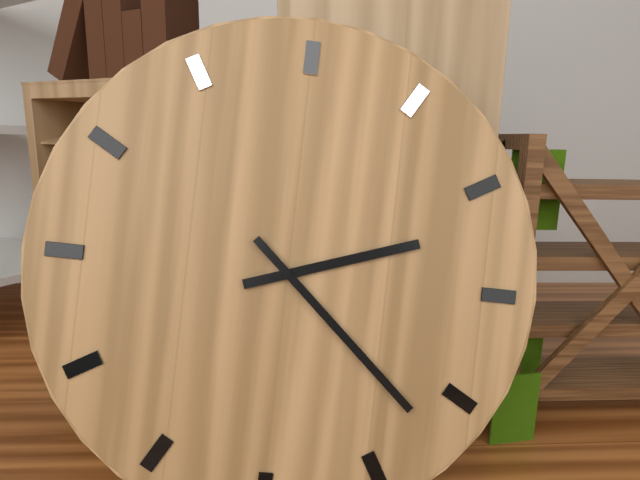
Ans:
h=2 m=22
